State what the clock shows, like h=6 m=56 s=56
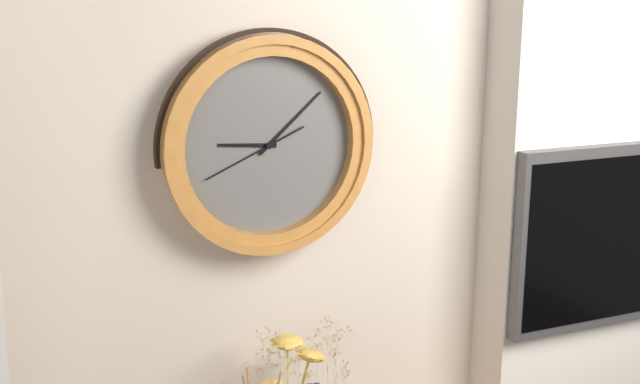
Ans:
h=9 m=8 s=41
